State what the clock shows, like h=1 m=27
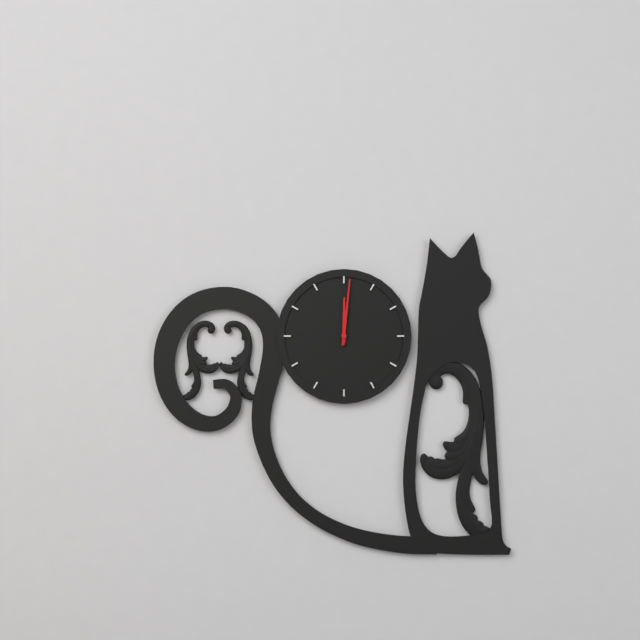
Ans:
h=12 m=1
